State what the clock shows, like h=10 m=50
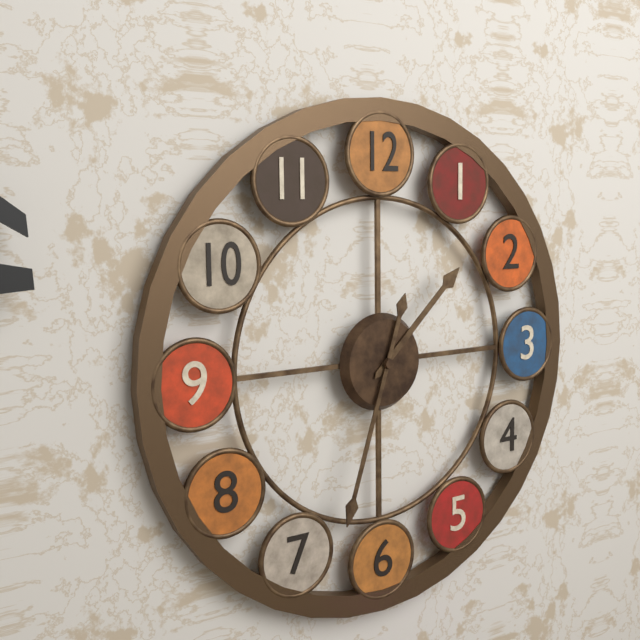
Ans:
h=1 m=33
